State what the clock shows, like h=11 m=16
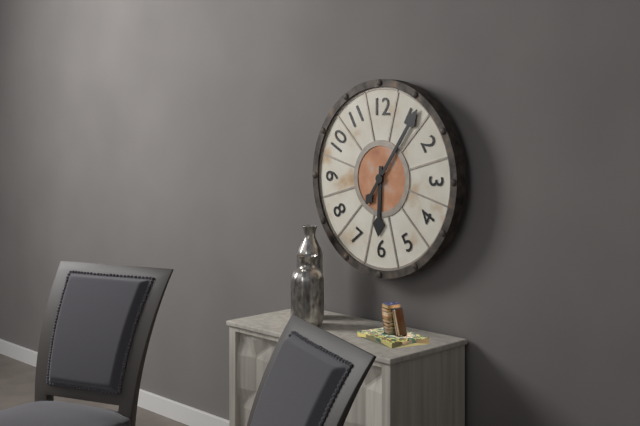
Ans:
h=6 m=6
